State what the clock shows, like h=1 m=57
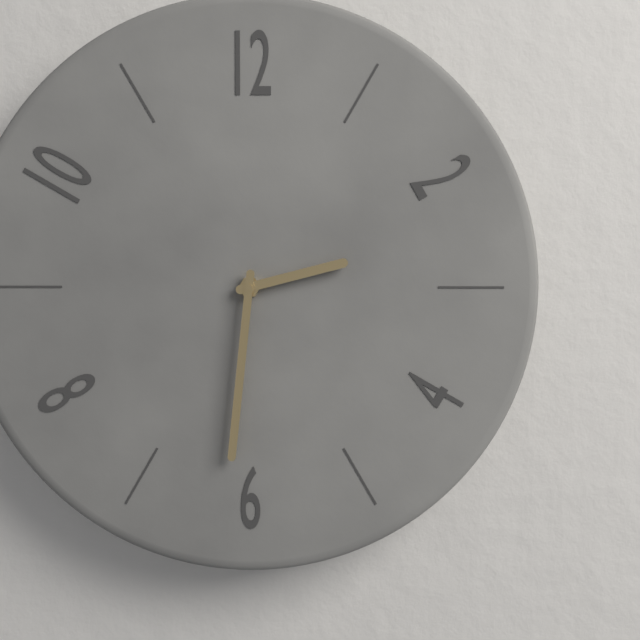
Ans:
h=2 m=31
